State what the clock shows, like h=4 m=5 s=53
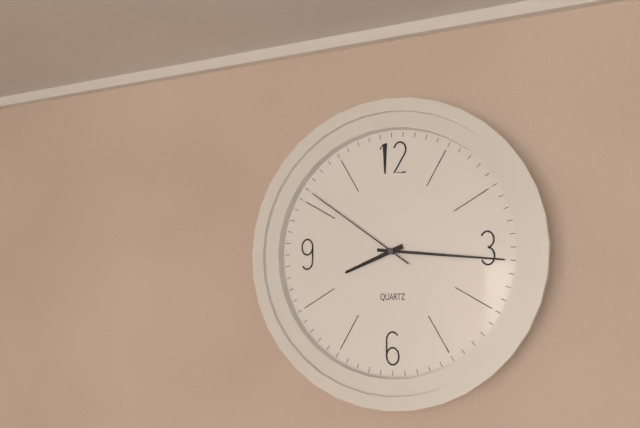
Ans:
h=8 m=16 s=51
